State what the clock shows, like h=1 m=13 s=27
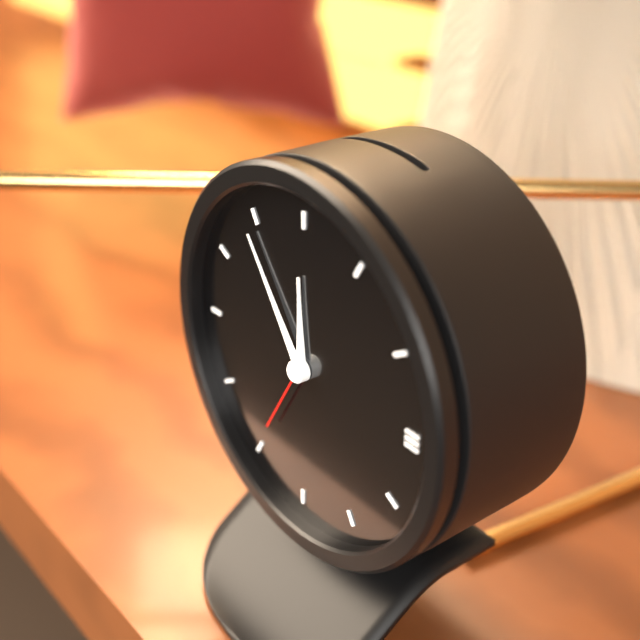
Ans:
h=11 m=54 s=35
